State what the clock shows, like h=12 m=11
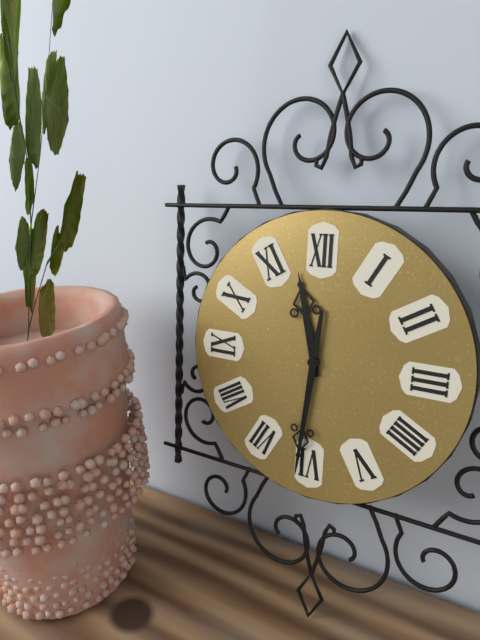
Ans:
h=11 m=31
